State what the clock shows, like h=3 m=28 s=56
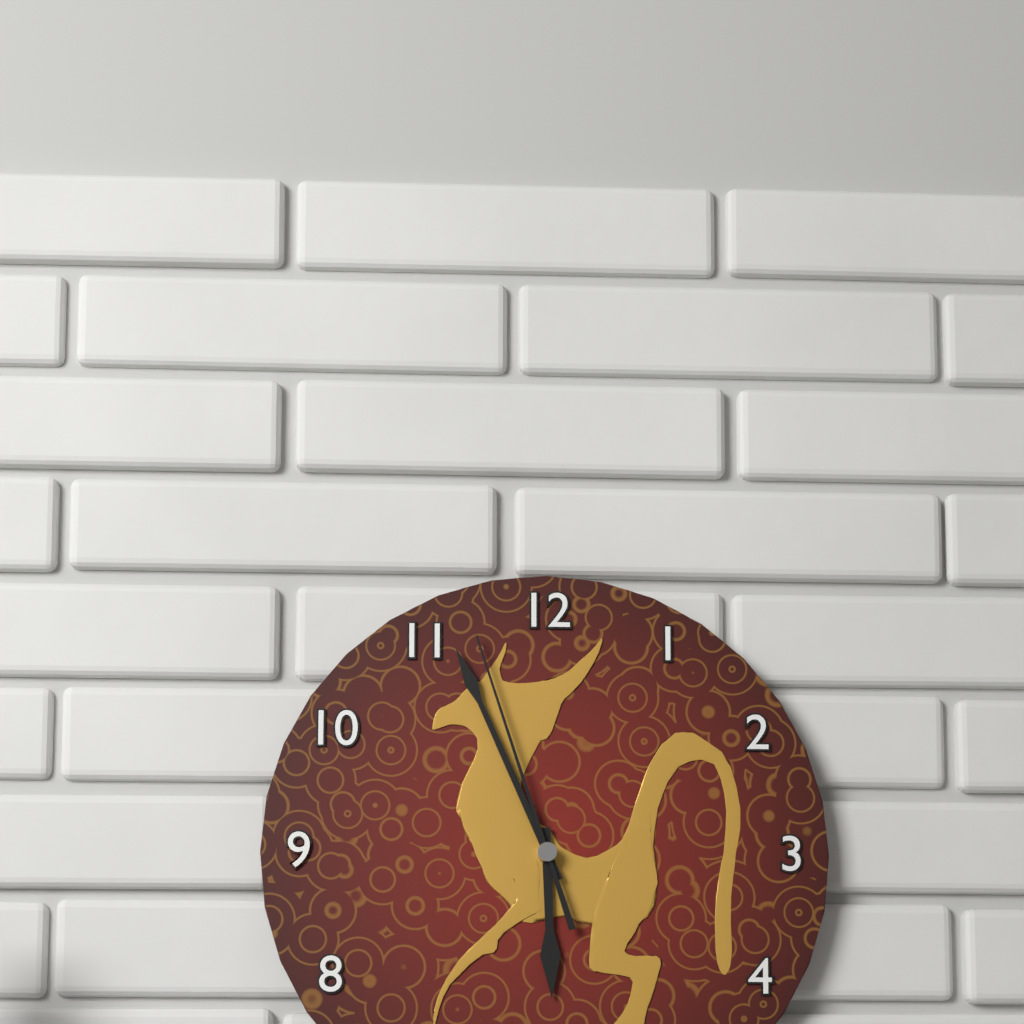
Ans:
h=5 m=56 s=57
